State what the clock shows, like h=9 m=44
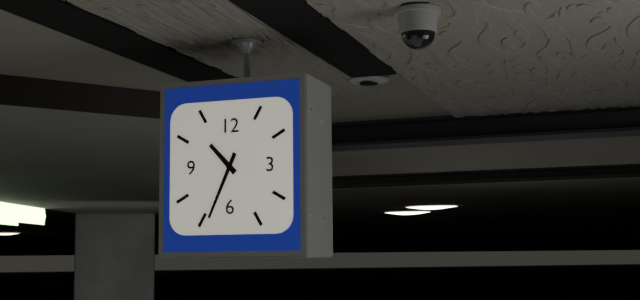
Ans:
h=10 m=34
